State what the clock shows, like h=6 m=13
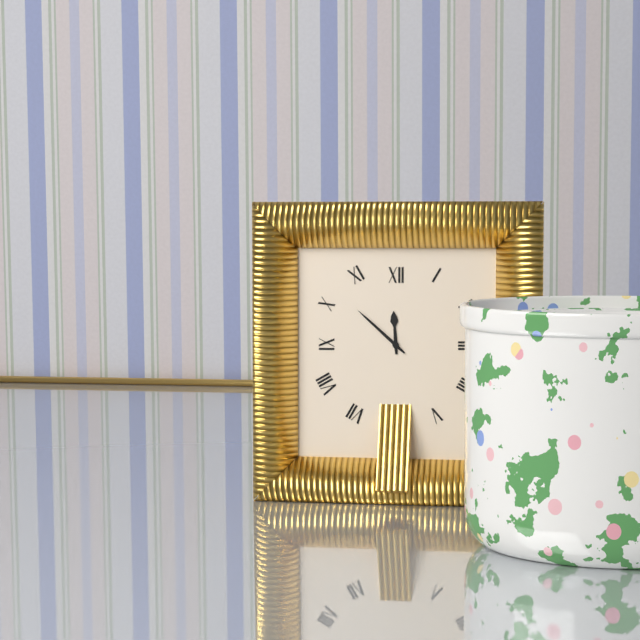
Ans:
h=11 m=52
